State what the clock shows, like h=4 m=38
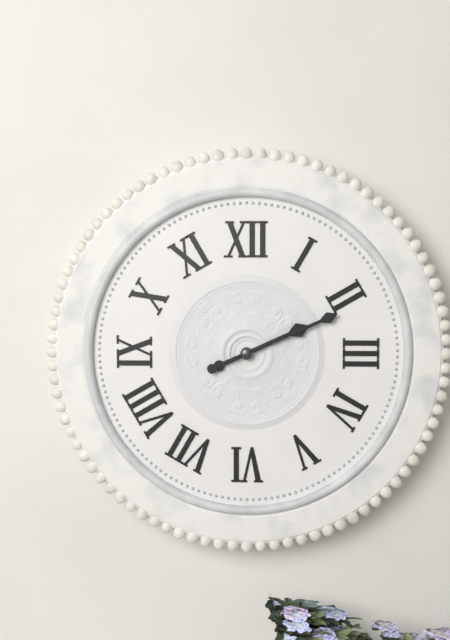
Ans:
h=2 m=11
